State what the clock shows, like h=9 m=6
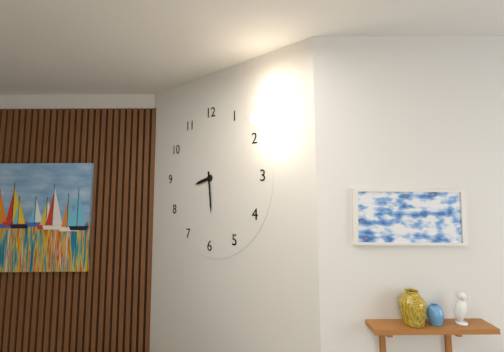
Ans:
h=8 m=29
